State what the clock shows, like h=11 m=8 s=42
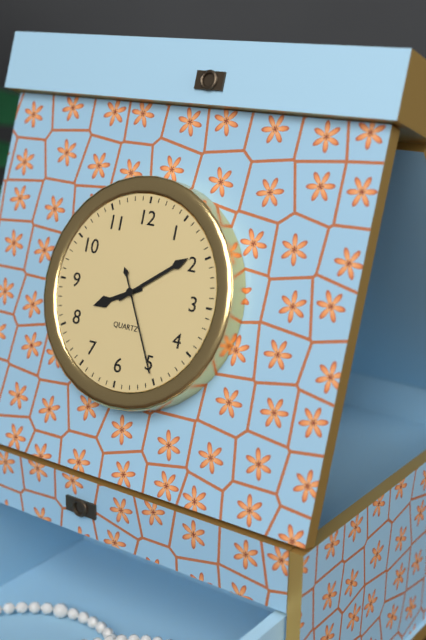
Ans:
h=8 m=9 s=25
